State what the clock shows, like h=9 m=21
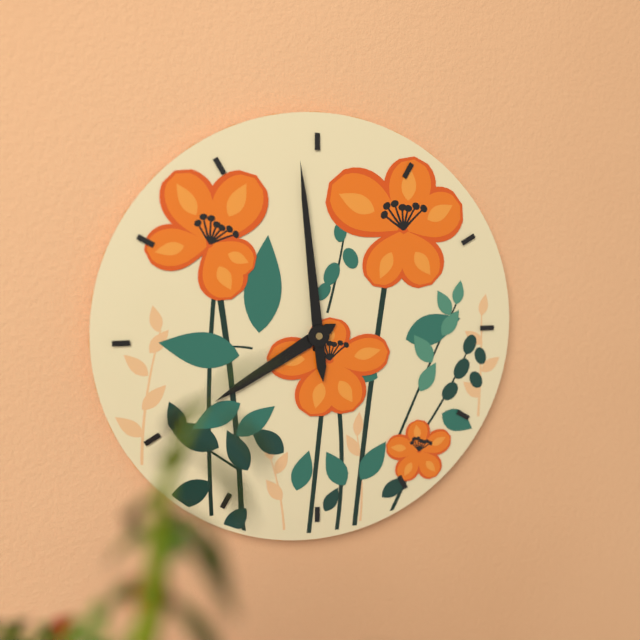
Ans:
h=7 m=59
